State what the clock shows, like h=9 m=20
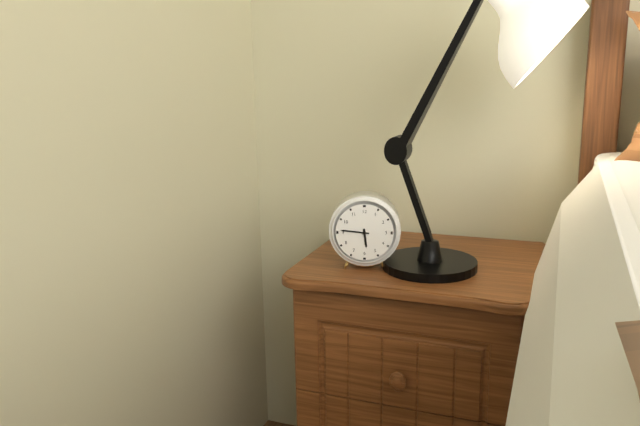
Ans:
h=5 m=46
